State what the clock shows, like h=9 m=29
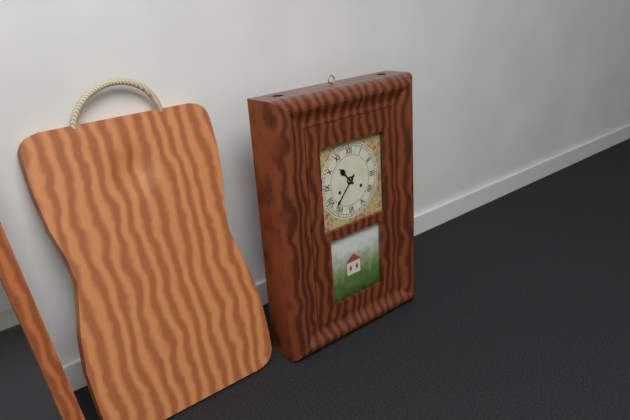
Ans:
h=10 m=37
